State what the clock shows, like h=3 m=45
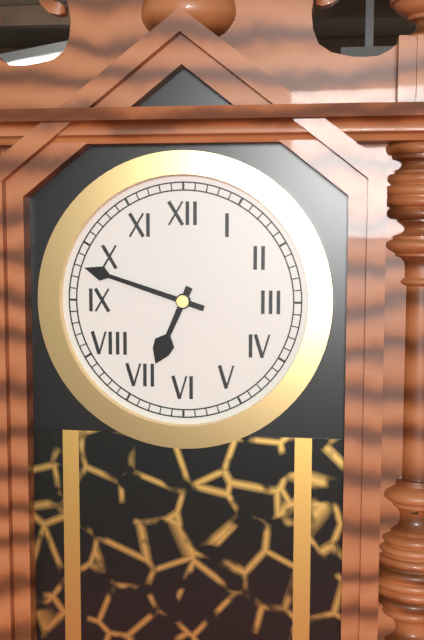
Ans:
h=6 m=48
